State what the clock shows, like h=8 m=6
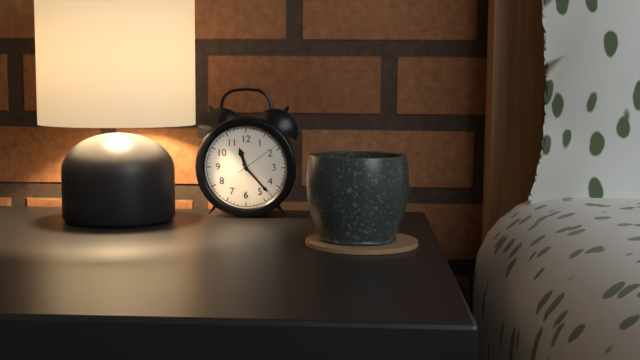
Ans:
h=11 m=23
